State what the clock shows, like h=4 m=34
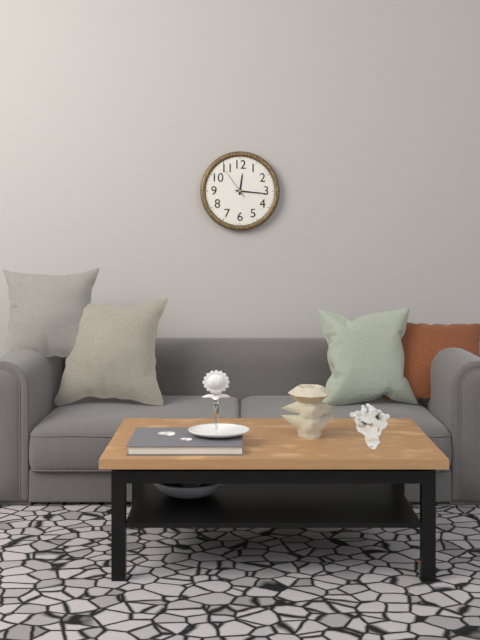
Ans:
h=12 m=16
